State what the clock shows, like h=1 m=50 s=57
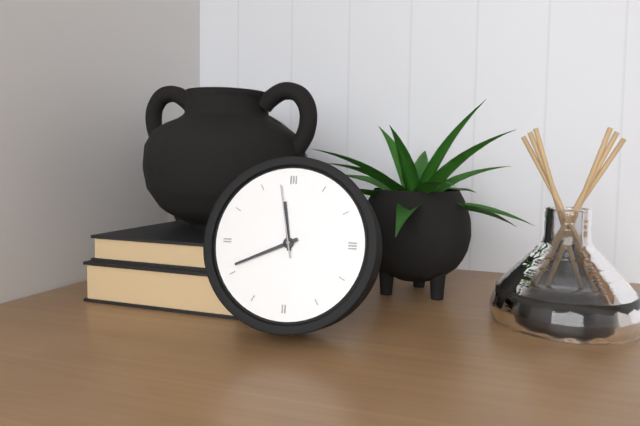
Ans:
h=11 m=41 s=58
